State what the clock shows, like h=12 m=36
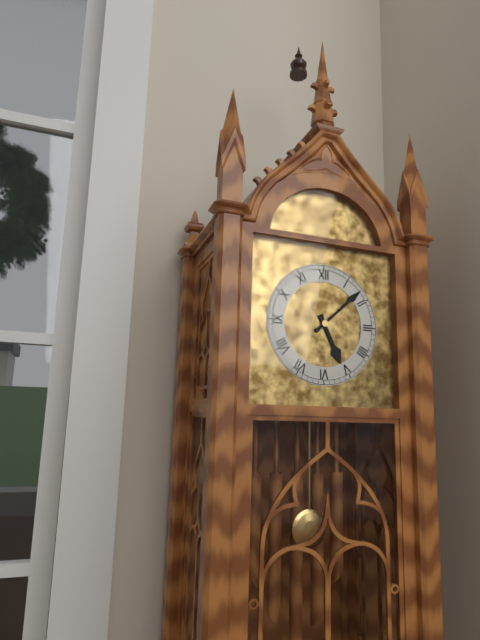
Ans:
h=5 m=8
